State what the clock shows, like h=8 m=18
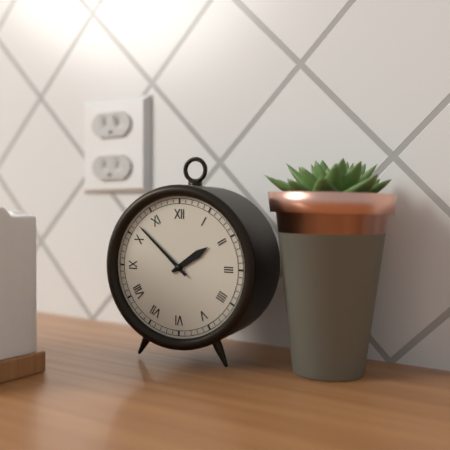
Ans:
h=1 m=52
